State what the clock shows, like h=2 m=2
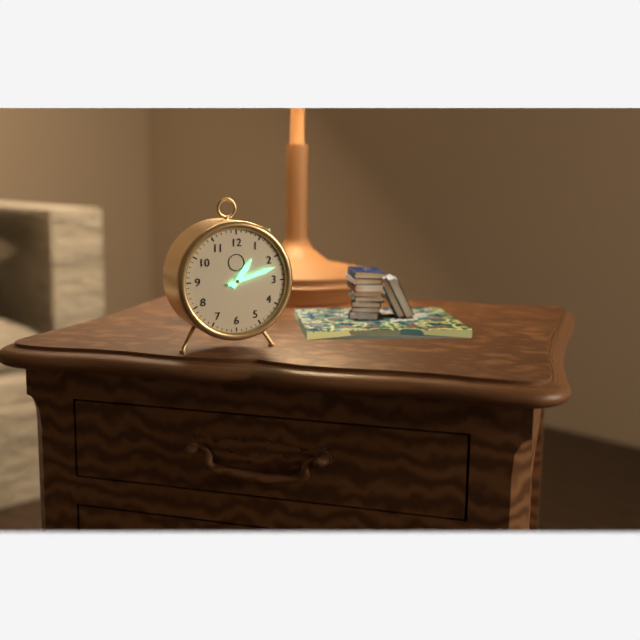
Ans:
h=1 m=12
